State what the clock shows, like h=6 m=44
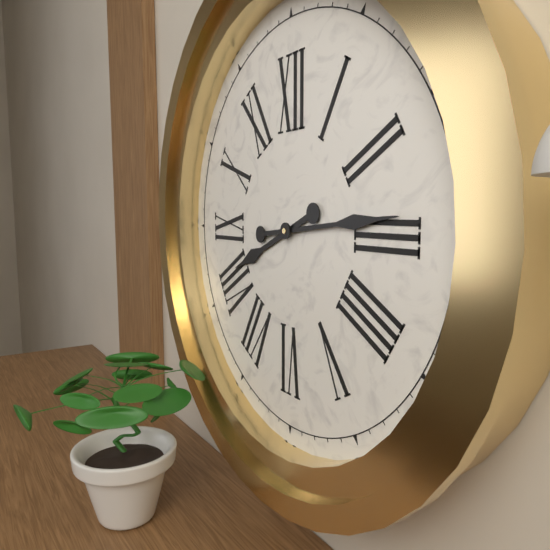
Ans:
h=8 m=14
